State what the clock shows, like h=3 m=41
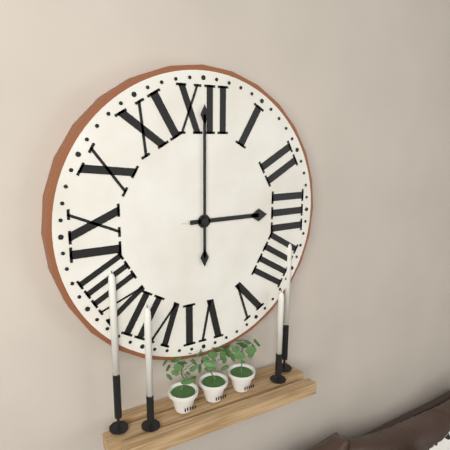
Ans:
h=3 m=0
